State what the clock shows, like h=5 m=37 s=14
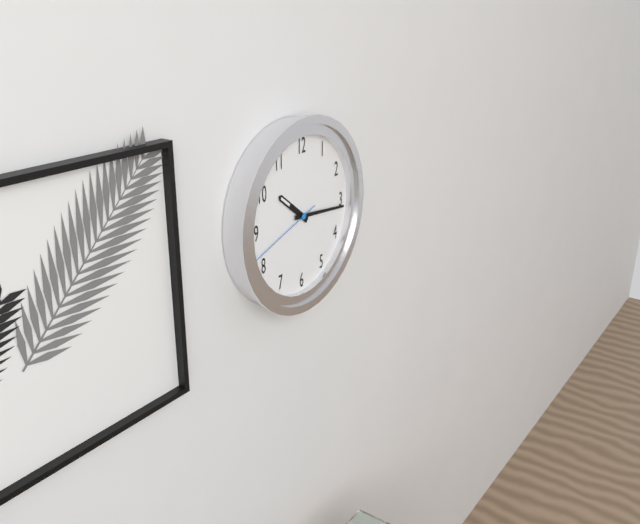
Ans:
h=10 m=16 s=42
